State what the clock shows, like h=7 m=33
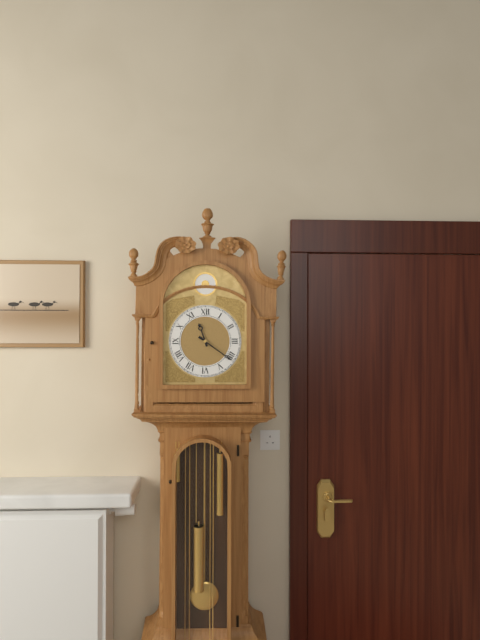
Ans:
h=11 m=21
